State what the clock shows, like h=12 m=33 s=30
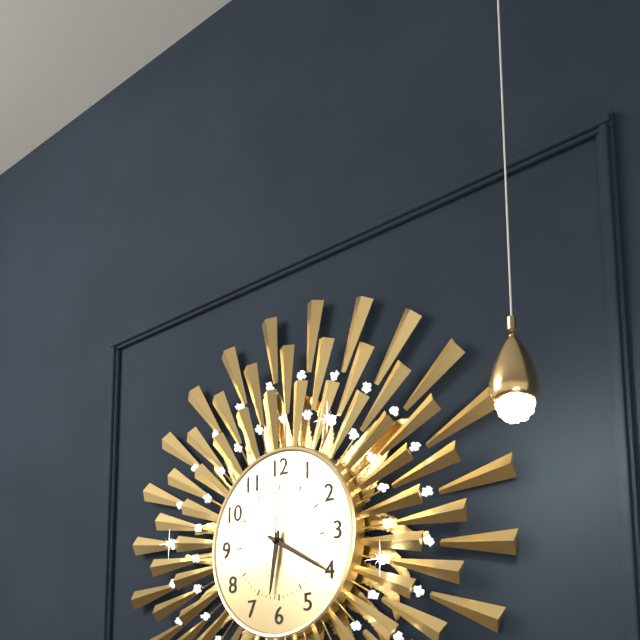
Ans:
h=6 m=20 s=1
